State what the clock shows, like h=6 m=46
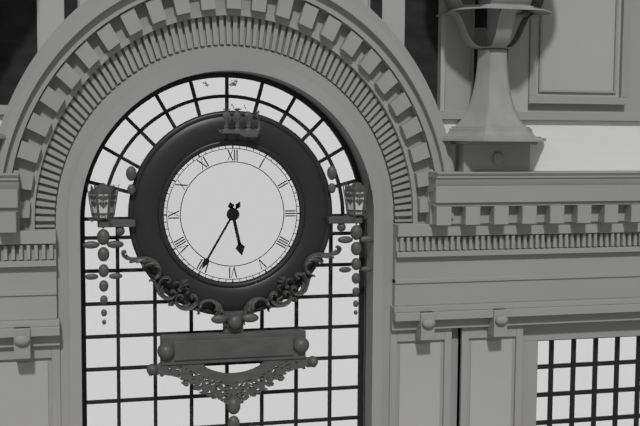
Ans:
h=5 m=35
